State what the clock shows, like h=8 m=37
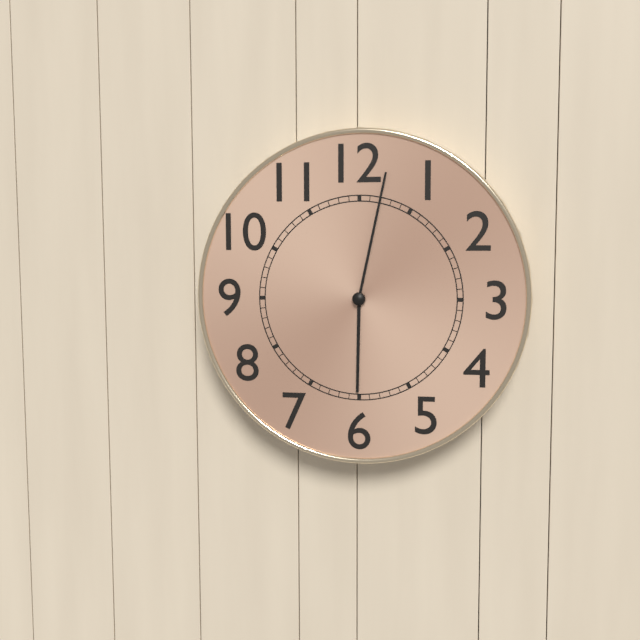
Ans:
h=6 m=2
